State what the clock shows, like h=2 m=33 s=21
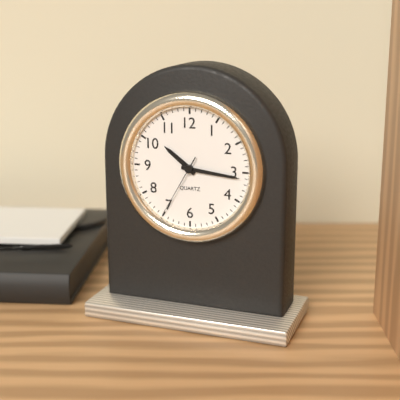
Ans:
h=10 m=16 s=35
